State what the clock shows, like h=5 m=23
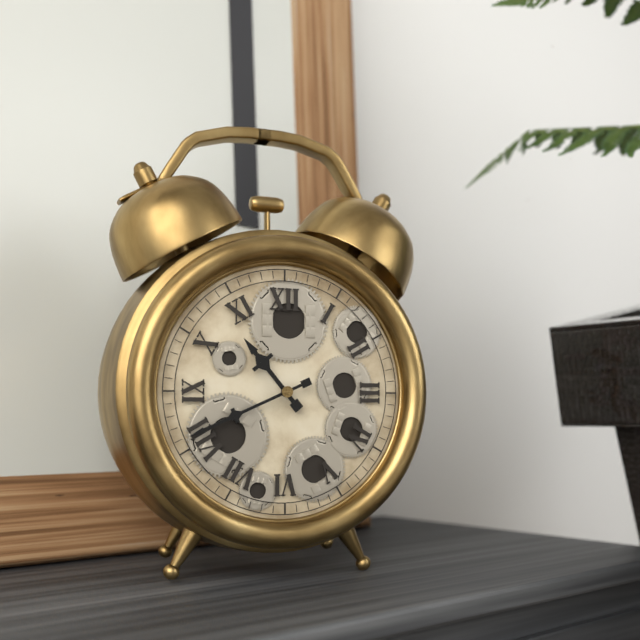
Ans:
h=10 m=41
